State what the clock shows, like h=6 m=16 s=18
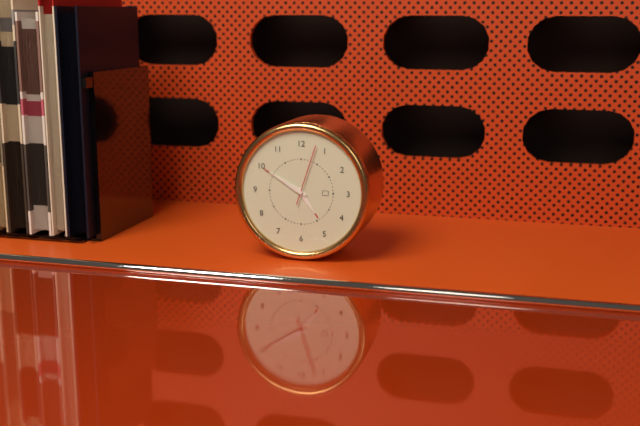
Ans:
h=4 m=50 s=3
